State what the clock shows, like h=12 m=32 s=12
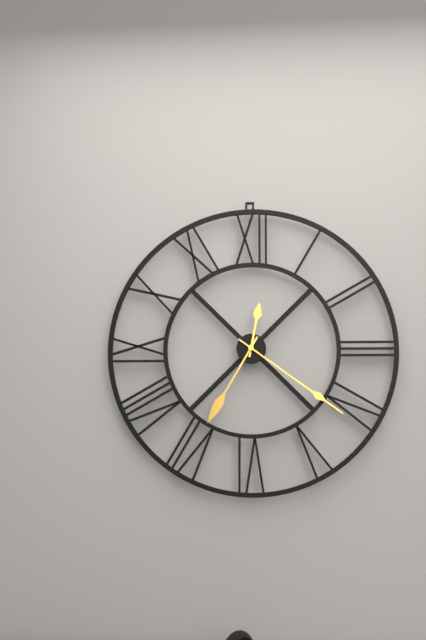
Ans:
h=12 m=21 s=35
